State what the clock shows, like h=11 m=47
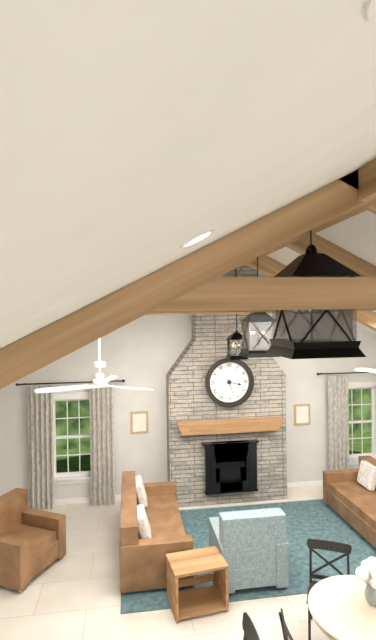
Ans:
h=3 m=27
